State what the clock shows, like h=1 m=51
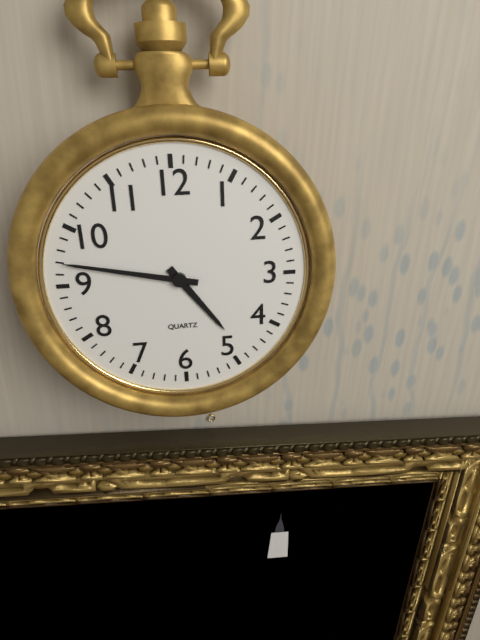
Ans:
h=4 m=47
